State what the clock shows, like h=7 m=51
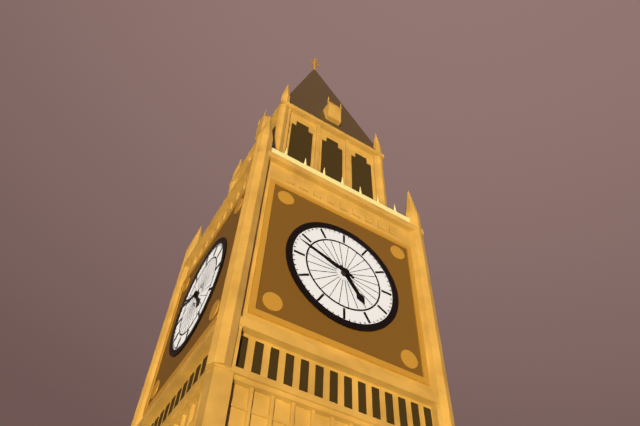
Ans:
h=4 m=48
